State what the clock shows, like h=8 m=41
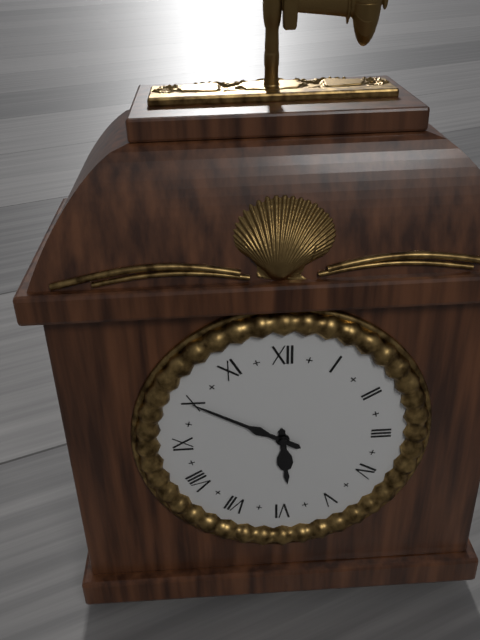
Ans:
h=5 m=50
